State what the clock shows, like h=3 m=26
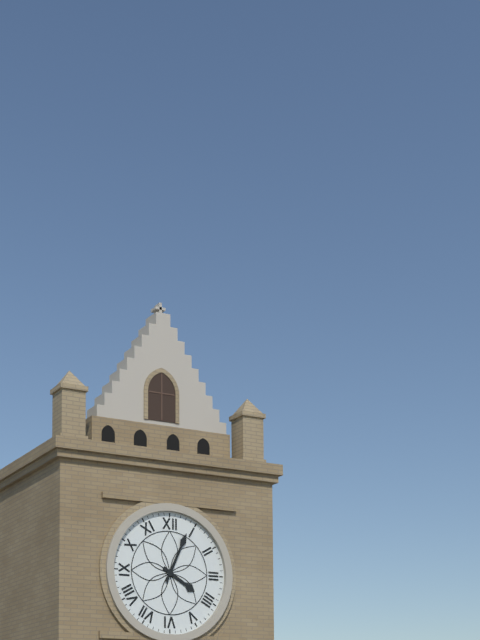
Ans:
h=4 m=4
